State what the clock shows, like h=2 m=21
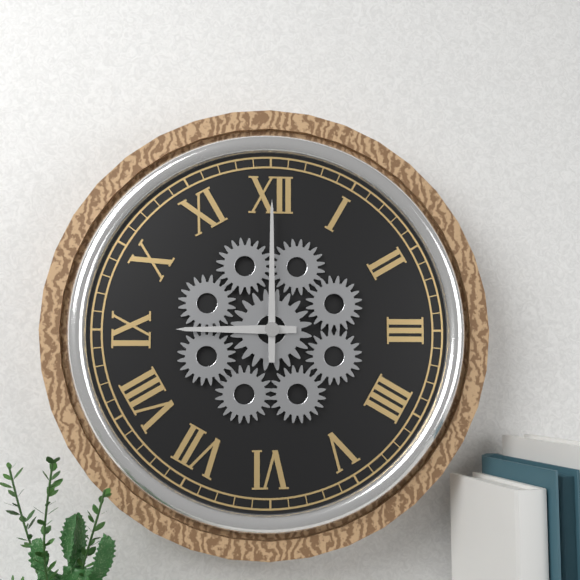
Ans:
h=9 m=0
